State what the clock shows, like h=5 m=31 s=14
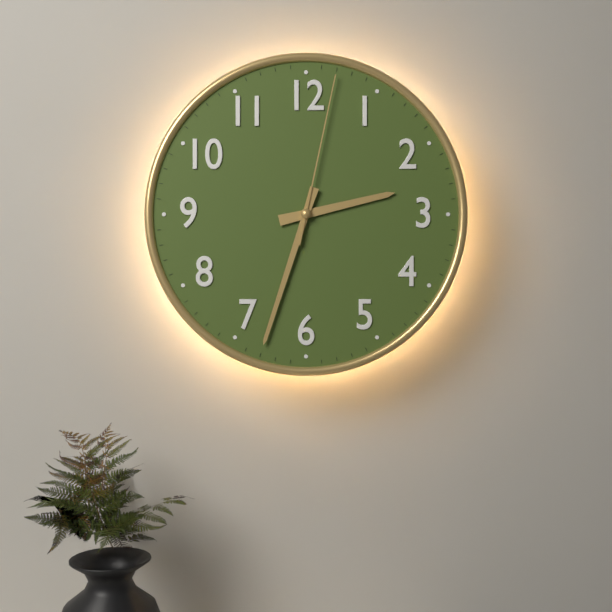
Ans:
h=2 m=33 s=2
